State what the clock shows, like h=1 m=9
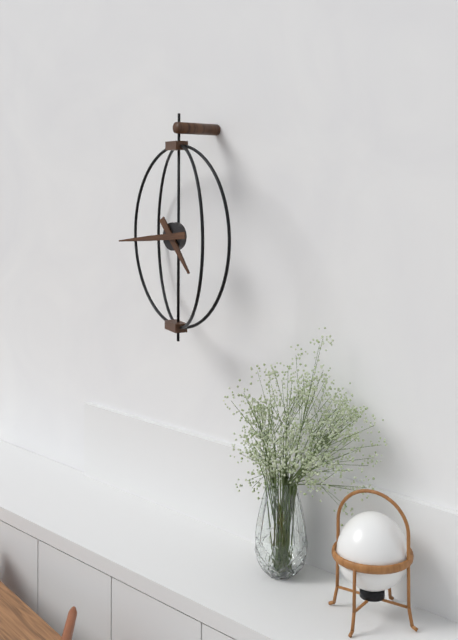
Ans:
h=4 m=44
